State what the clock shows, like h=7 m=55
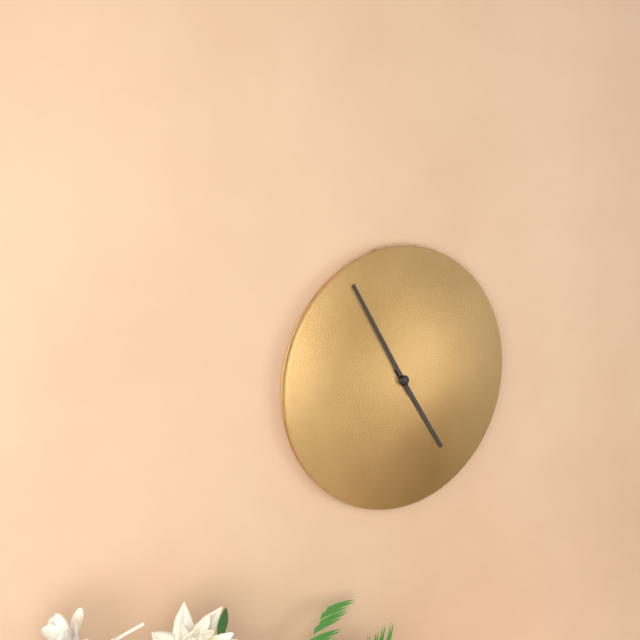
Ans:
h=4 m=55
